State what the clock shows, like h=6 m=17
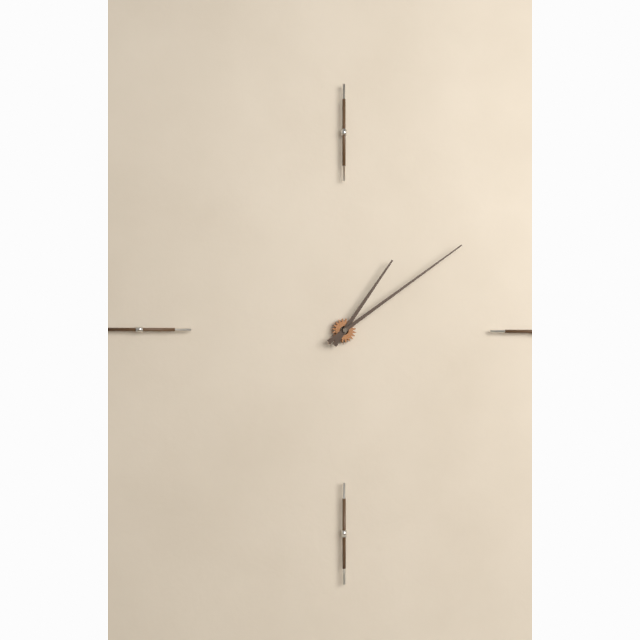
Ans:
h=1 m=9
